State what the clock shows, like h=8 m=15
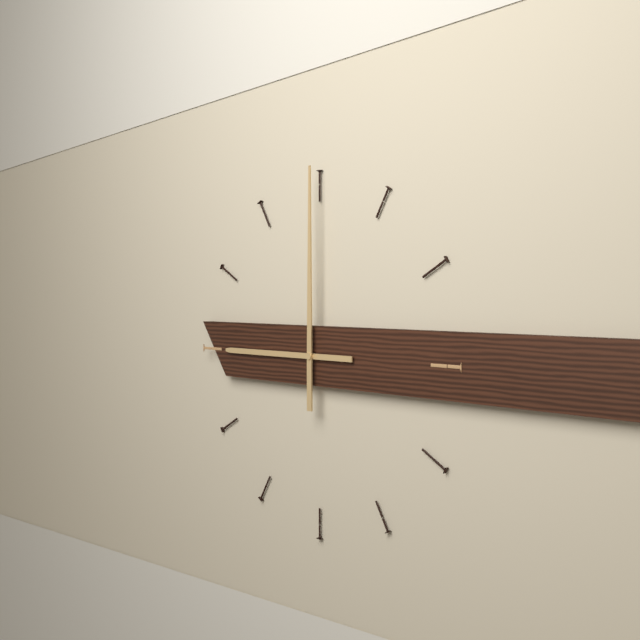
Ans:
h=9 m=0
